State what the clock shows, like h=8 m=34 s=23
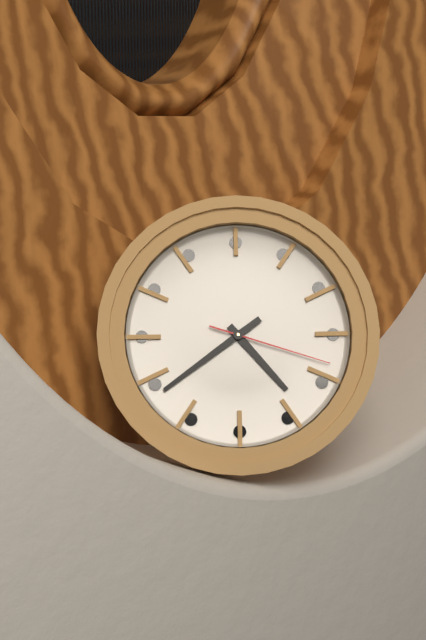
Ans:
h=4 m=39 s=18
